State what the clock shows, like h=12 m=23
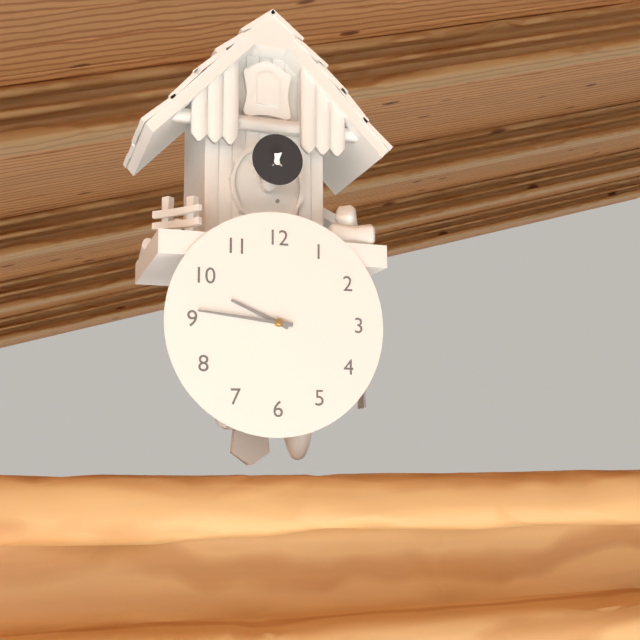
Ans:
h=9 m=46
